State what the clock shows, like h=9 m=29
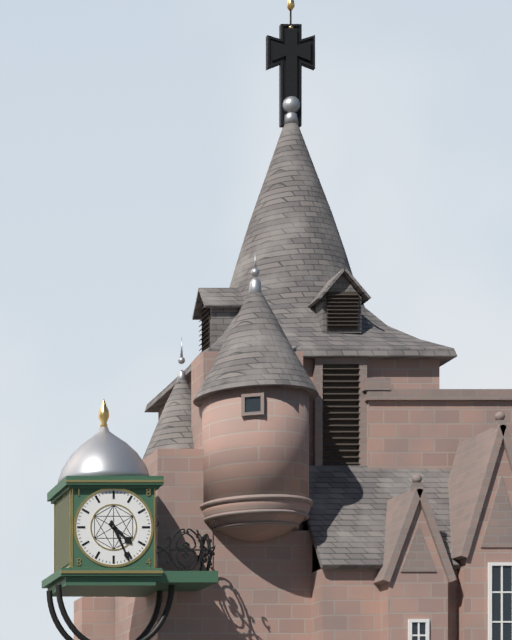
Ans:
h=4 m=26
